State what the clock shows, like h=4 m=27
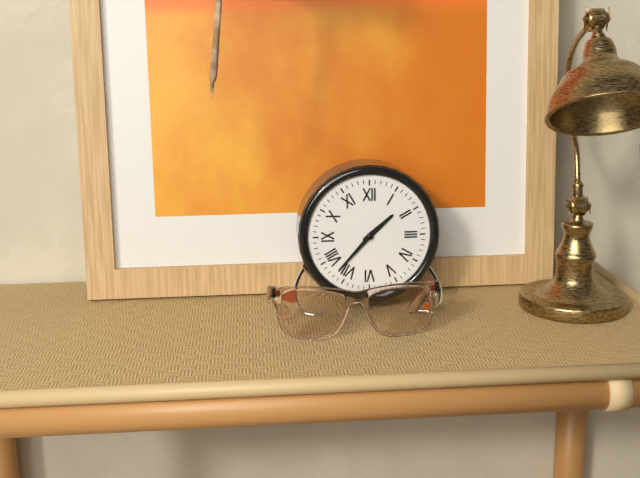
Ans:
h=1 m=37
